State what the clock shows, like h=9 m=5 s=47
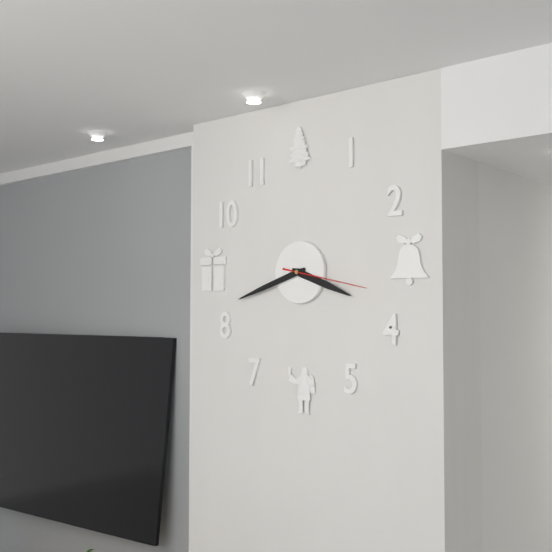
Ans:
h=3 m=42 s=17
